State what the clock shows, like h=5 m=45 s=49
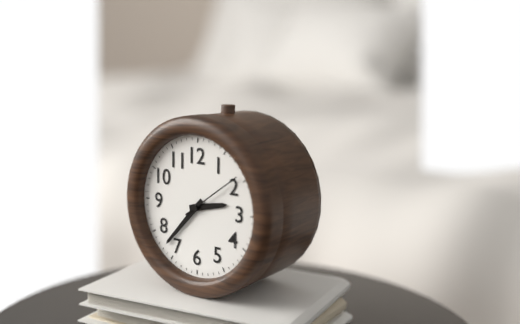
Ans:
h=2 m=37 s=9
